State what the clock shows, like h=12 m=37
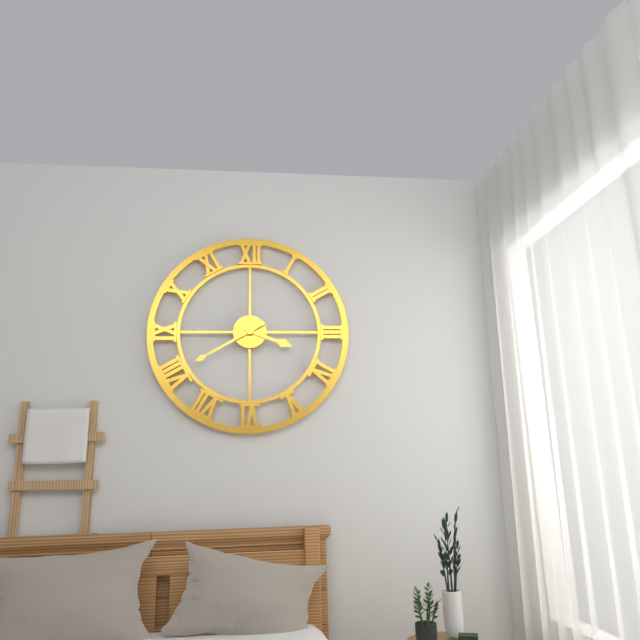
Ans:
h=3 m=40
